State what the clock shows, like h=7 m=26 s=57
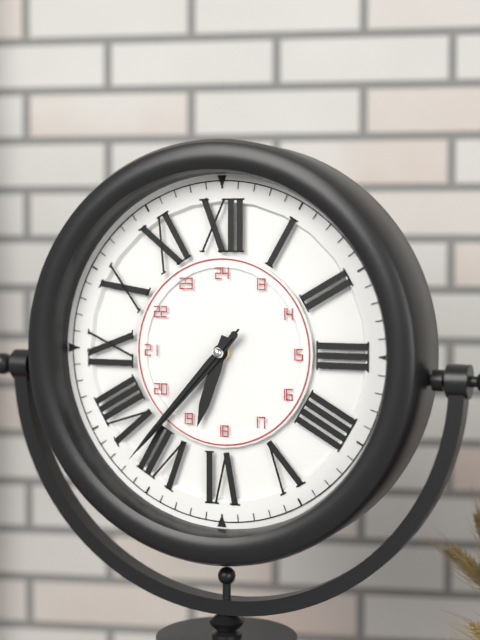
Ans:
h=6 m=37 s=37
